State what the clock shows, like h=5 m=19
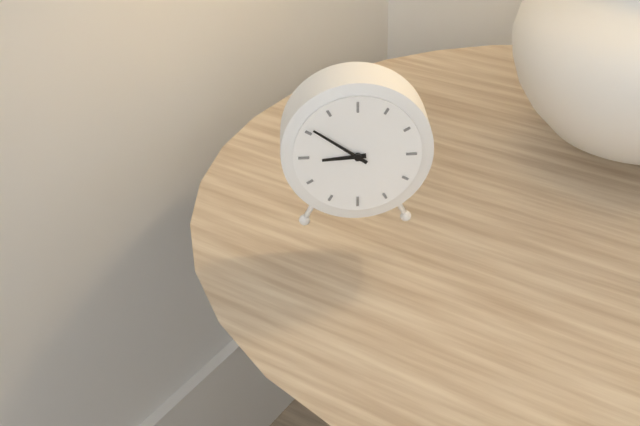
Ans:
h=8 m=51
